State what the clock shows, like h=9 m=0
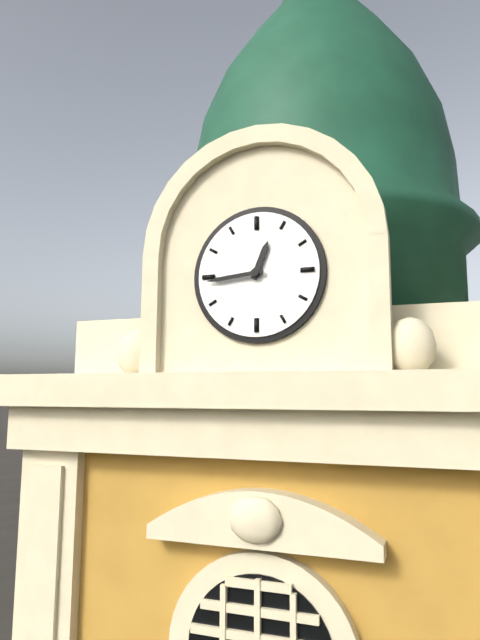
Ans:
h=12 m=44
